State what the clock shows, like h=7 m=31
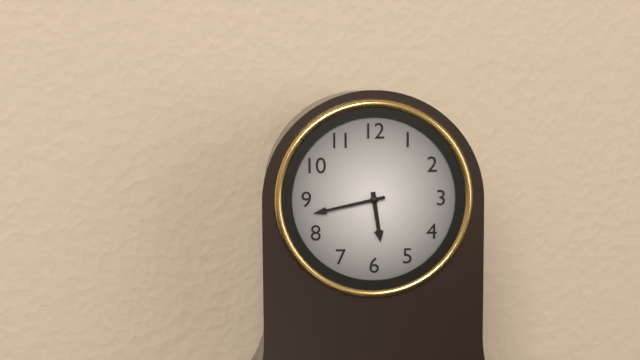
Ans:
h=5 m=43
